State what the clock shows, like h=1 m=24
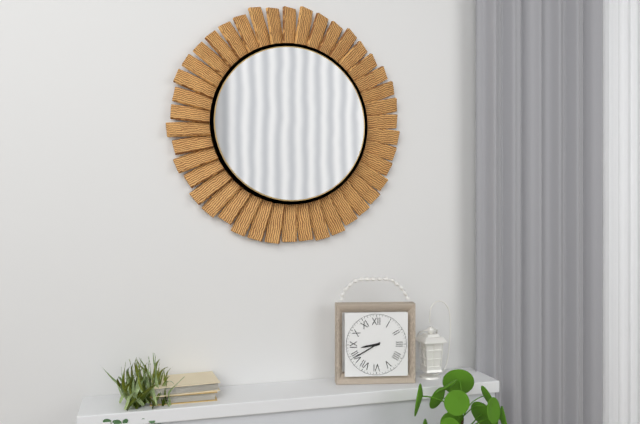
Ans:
h=8 m=40
